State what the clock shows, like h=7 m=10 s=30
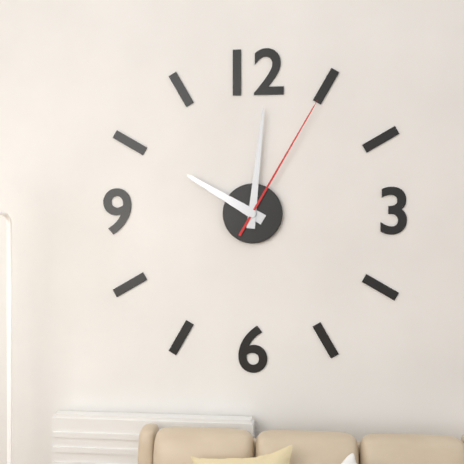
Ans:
h=10 m=1 s=5
